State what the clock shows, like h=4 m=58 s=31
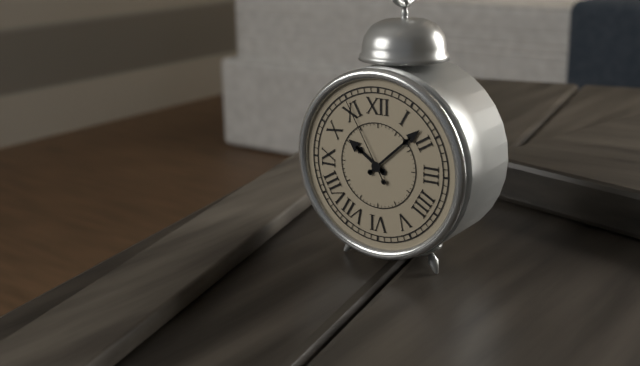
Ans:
h=10 m=8 s=55
